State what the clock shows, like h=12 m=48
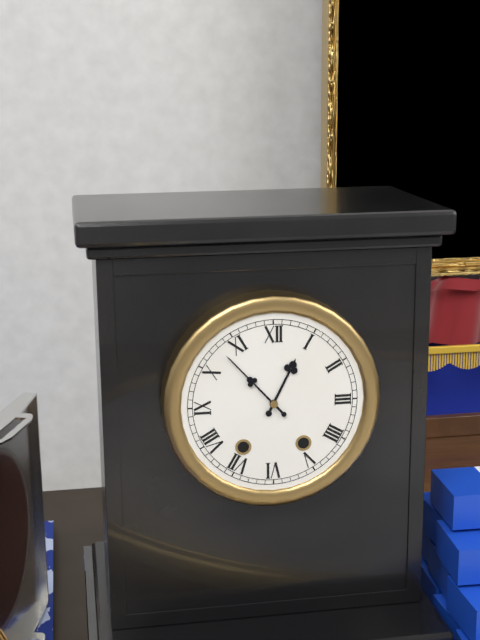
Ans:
h=12 m=53
